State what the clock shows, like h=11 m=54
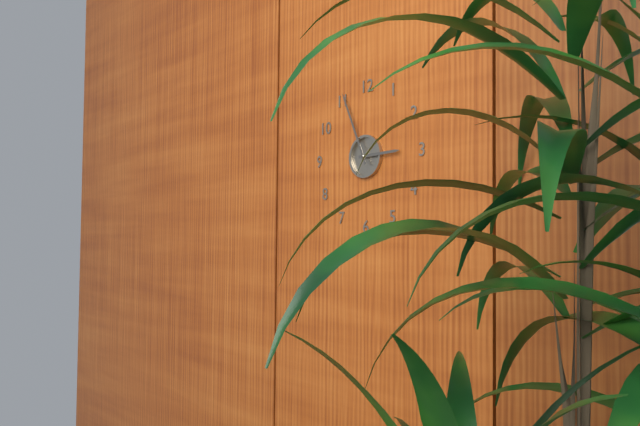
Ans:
h=2 m=56
